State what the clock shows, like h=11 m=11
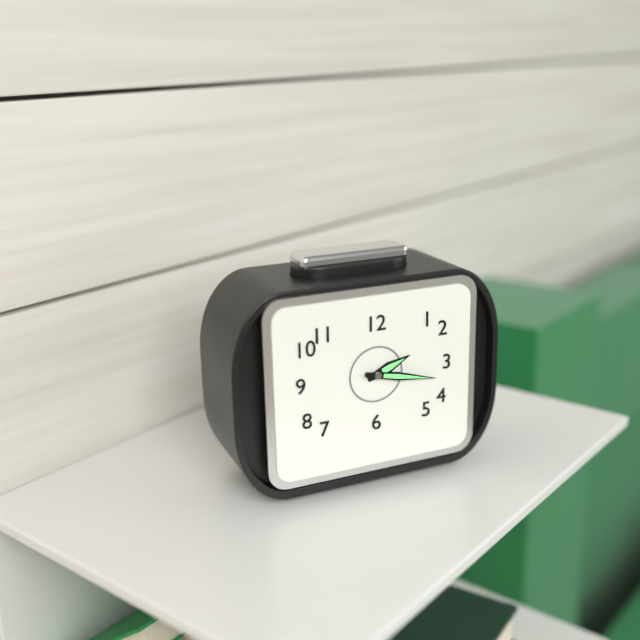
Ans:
h=2 m=17
